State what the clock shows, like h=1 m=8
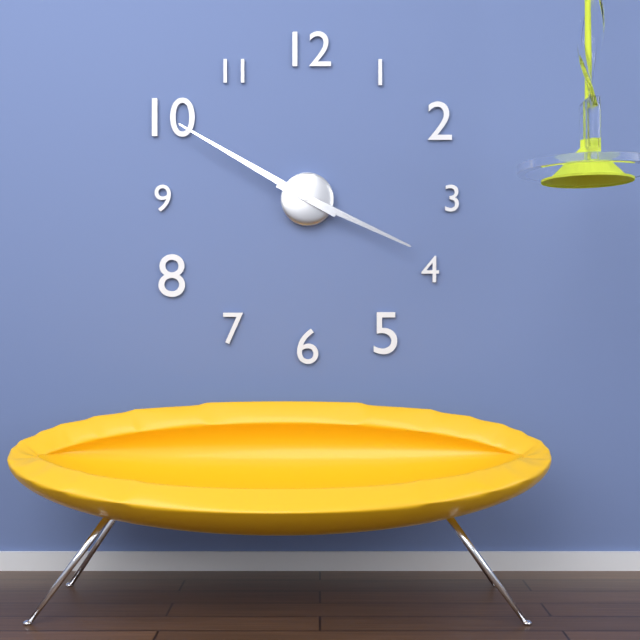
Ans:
h=3 m=50
